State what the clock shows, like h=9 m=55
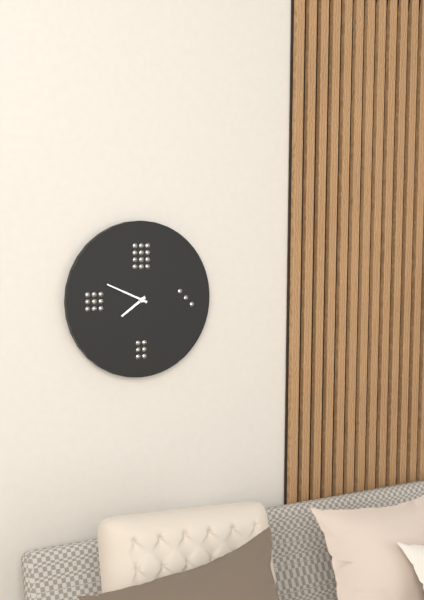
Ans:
h=7 m=49
